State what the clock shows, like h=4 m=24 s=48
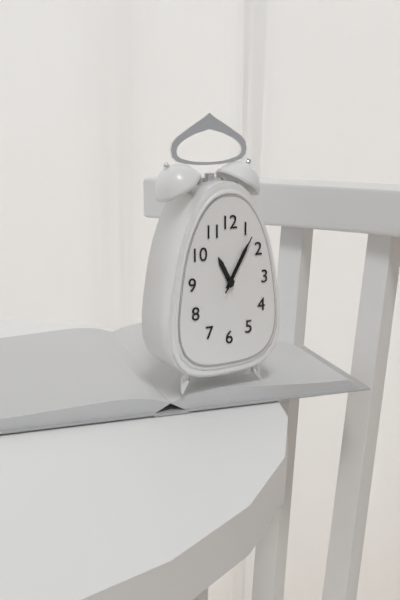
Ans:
h=11 m=5 s=5
